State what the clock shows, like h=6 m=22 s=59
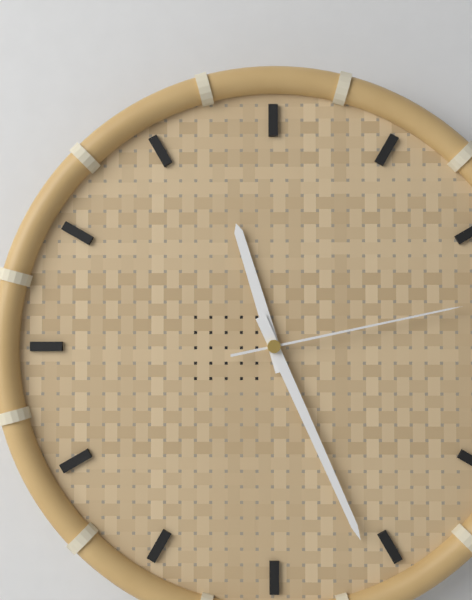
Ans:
h=11 m=26 s=13
